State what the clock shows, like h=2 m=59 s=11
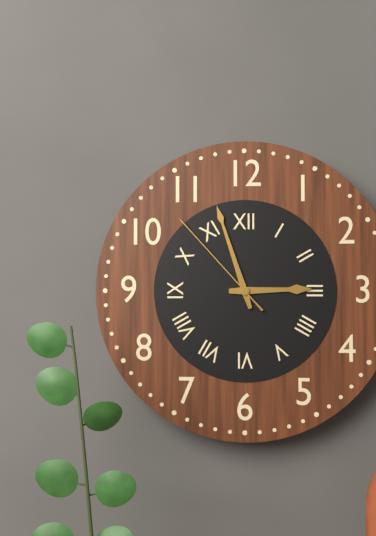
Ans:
h=2 m=57 s=53
